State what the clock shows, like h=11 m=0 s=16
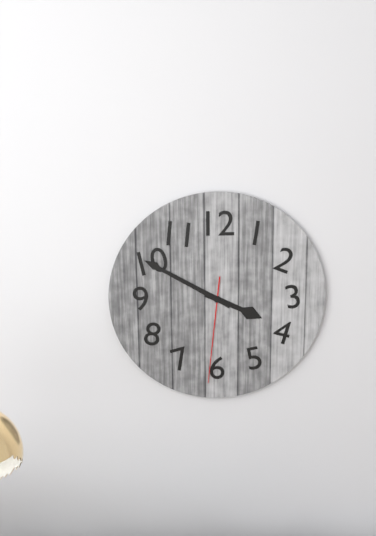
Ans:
h=3 m=50 s=31
